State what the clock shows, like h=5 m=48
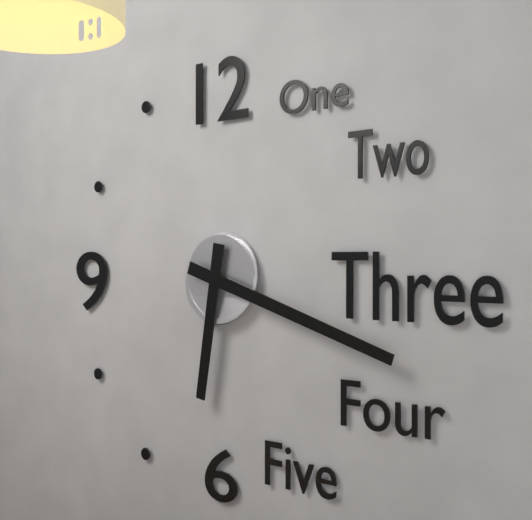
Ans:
h=6 m=18
